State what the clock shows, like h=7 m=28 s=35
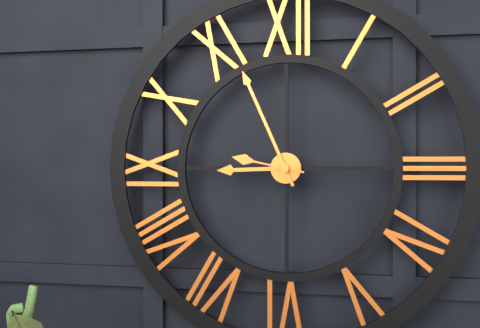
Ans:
h=8 m=56 s=47
